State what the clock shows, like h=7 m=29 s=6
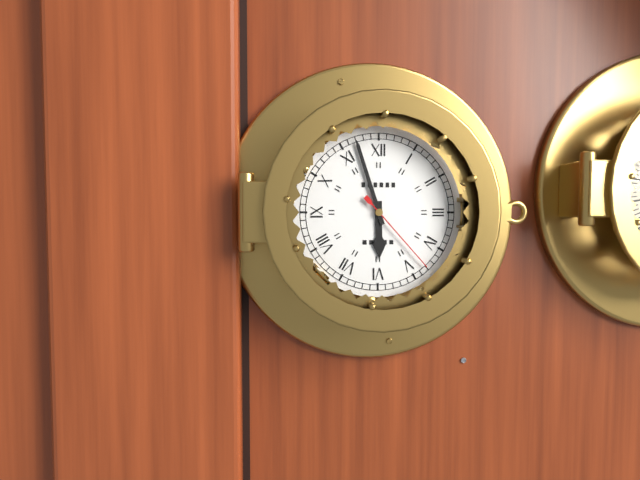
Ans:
h=5 m=57 s=23
